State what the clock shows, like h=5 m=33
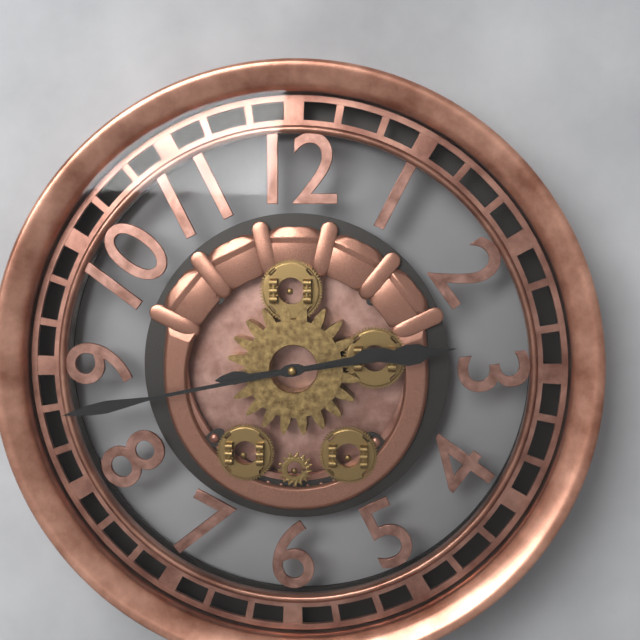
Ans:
h=2 m=43
